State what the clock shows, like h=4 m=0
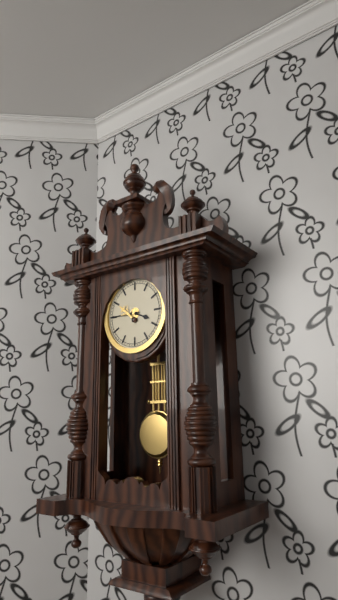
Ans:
h=3 m=45
